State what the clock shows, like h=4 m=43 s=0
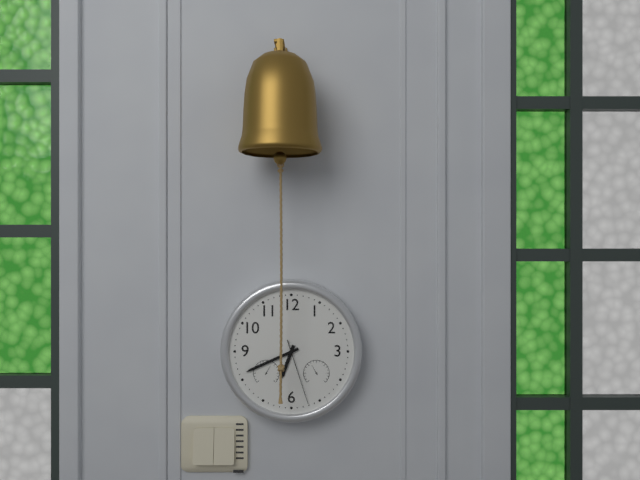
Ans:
h=6 m=41 s=27
